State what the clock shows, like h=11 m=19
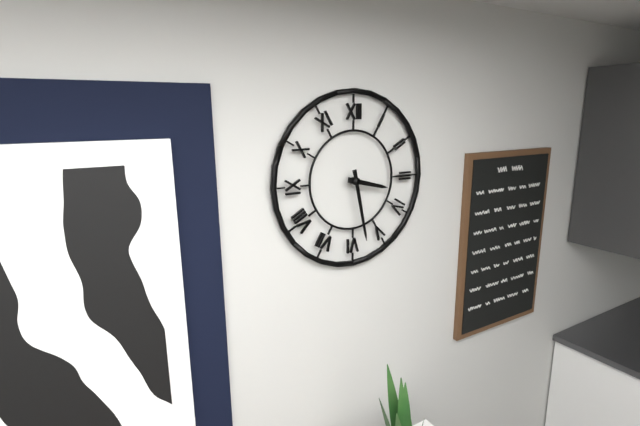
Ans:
h=3 m=28
